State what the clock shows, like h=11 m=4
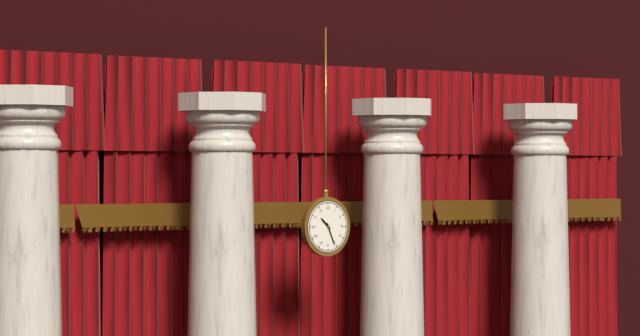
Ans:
h=10 m=26
